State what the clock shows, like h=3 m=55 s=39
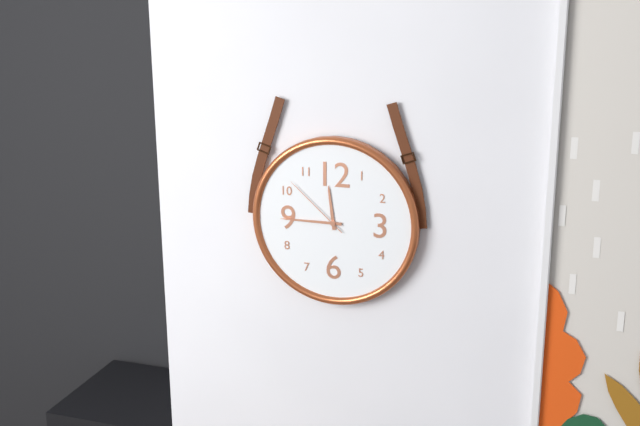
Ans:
h=11 m=45 s=52
